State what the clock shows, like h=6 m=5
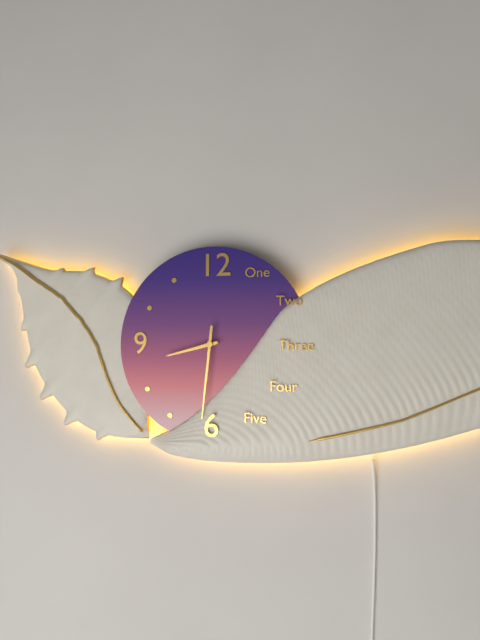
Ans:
h=8 m=31
